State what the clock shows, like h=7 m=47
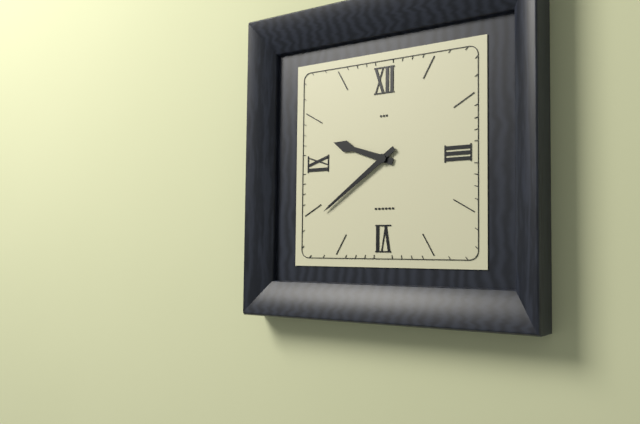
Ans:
h=9 m=39
